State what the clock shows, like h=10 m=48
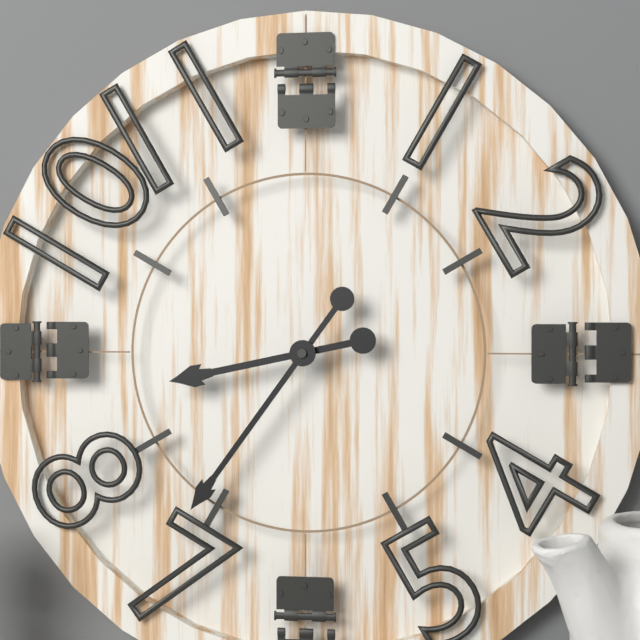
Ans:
h=8 m=36
